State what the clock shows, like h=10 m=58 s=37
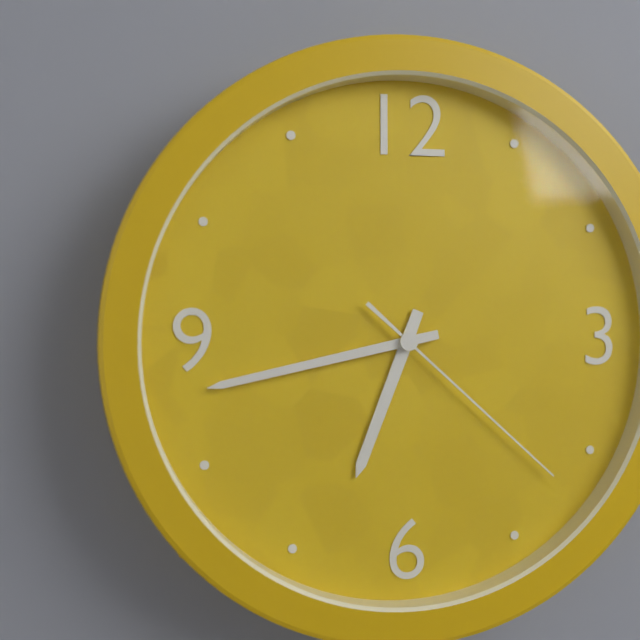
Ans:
h=6 m=43 s=22
